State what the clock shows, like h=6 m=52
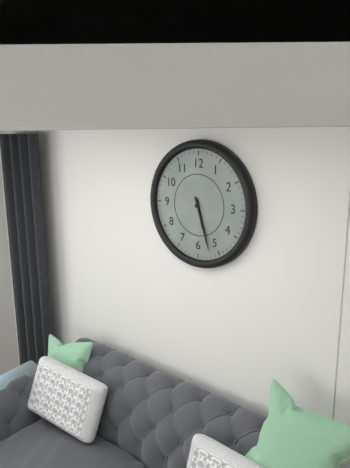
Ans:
h=5 m=27
